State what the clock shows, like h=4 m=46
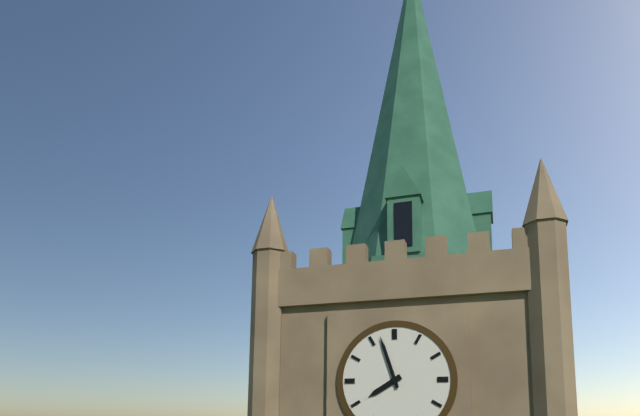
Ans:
h=7 m=57
